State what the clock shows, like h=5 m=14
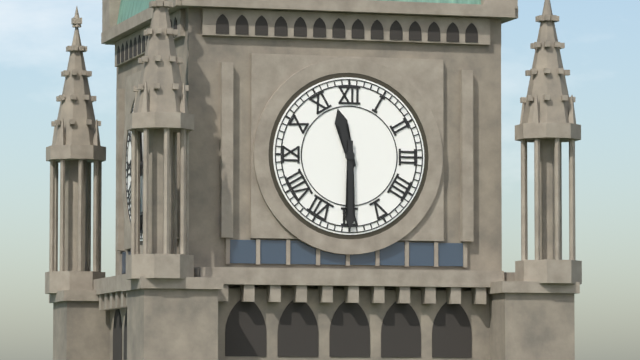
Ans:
h=11 m=30
